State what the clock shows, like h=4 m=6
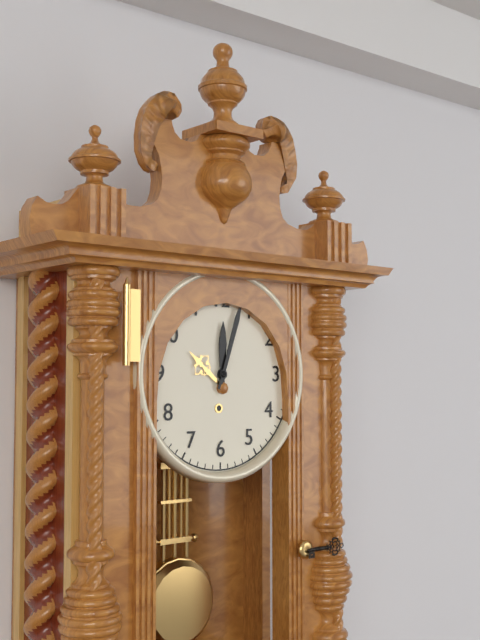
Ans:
h=12 m=3
